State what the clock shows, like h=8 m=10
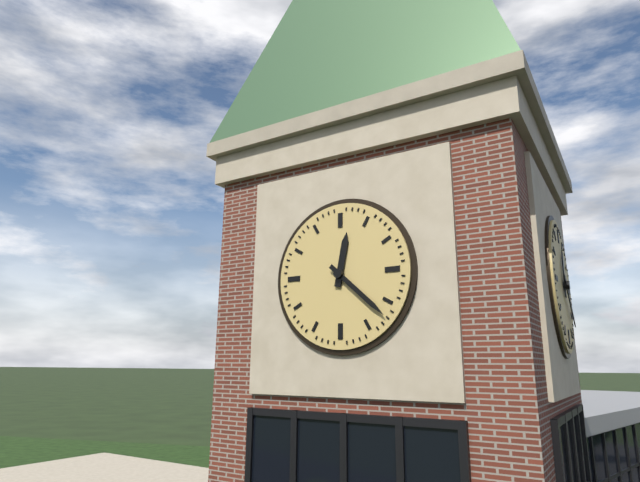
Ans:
h=12 m=22
